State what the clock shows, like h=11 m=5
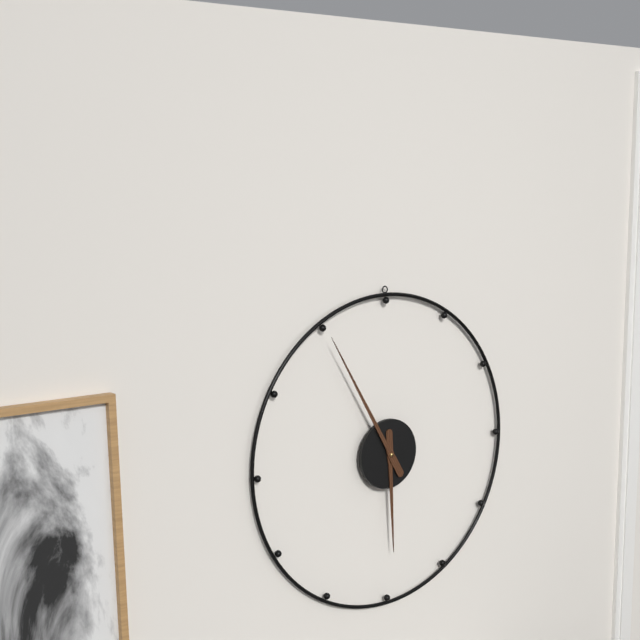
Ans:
h=5 m=55
